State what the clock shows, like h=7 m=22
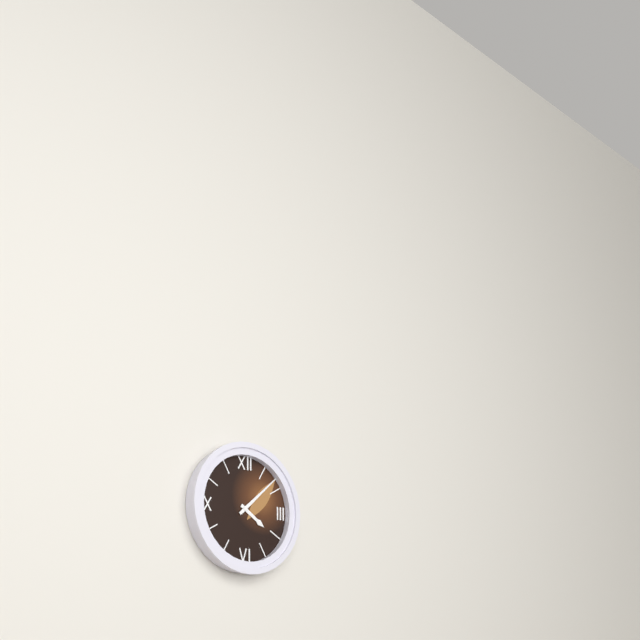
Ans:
h=4 m=8
